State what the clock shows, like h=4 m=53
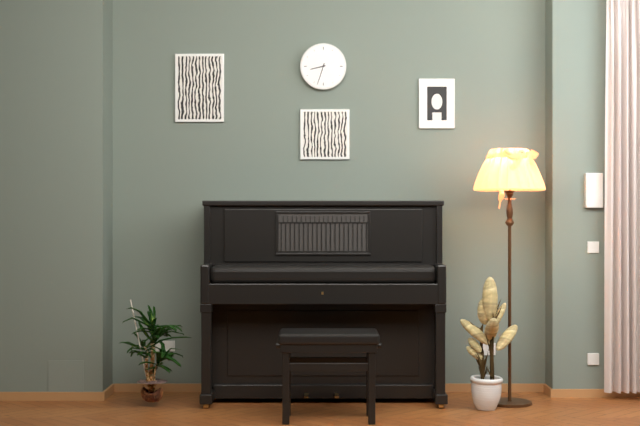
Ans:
h=8 m=33
